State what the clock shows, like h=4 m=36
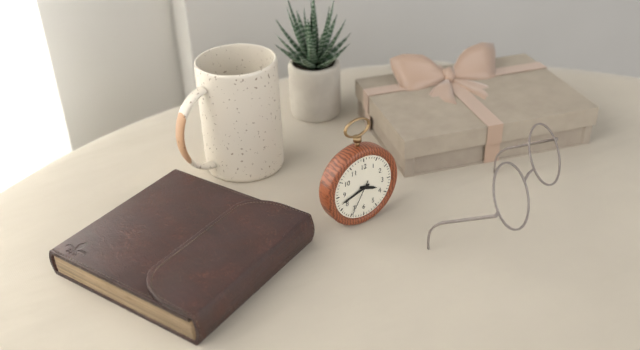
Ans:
h=3 m=42
